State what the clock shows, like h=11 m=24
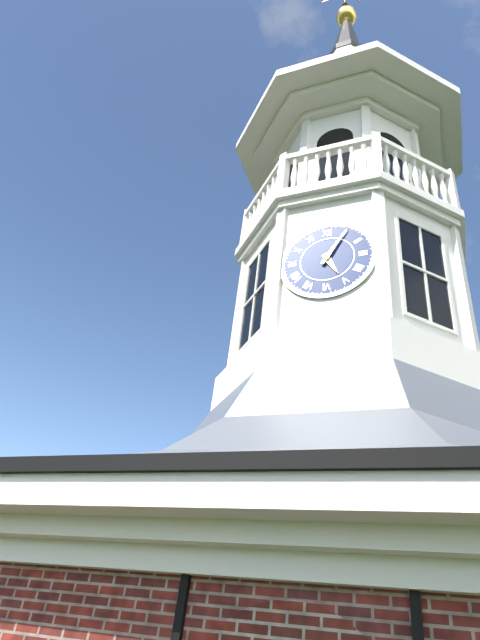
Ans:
h=5 m=5
